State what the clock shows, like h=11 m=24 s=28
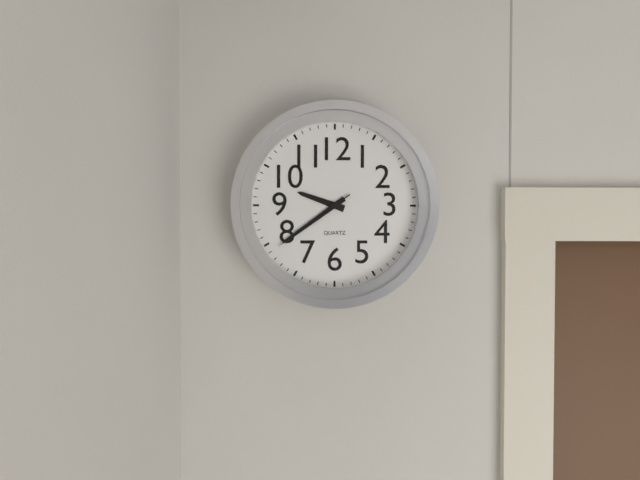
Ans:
h=9 m=39 s=39
